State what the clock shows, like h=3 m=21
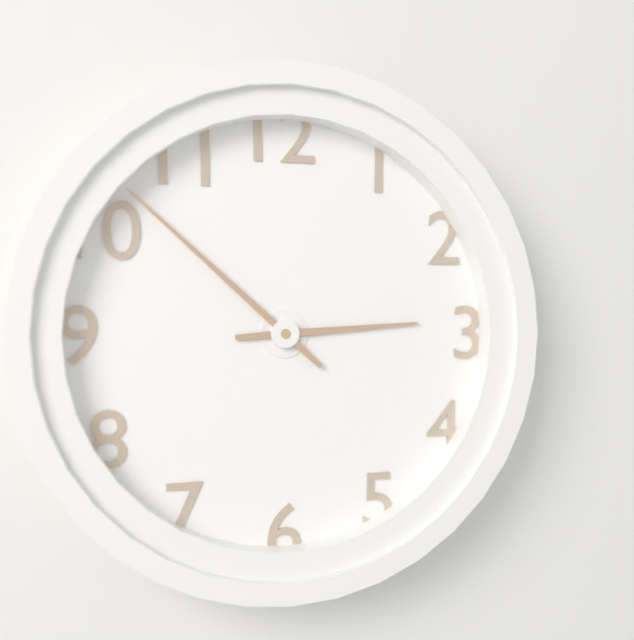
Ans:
h=2 m=52
